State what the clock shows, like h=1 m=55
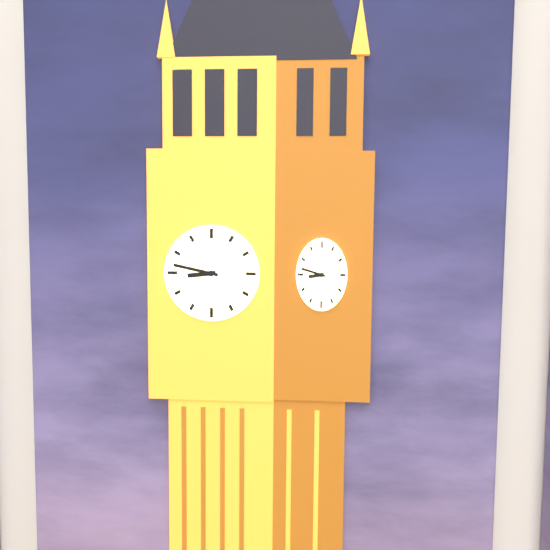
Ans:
h=8 m=47
